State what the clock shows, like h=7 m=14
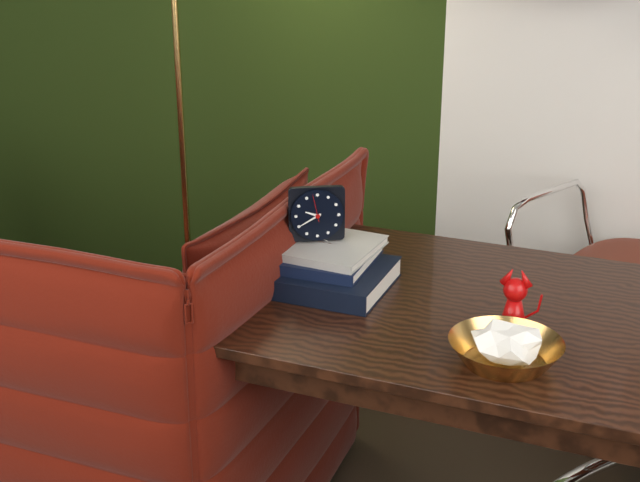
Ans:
h=9 m=40
